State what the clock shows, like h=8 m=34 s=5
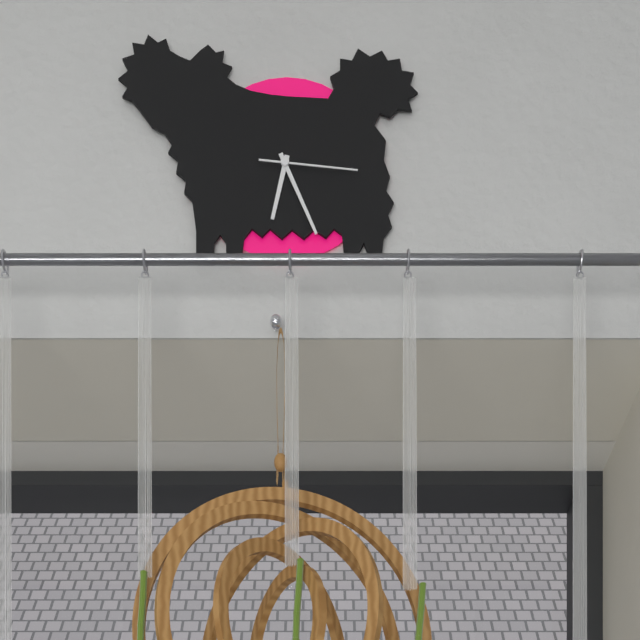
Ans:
h=6 m=26 s=16
